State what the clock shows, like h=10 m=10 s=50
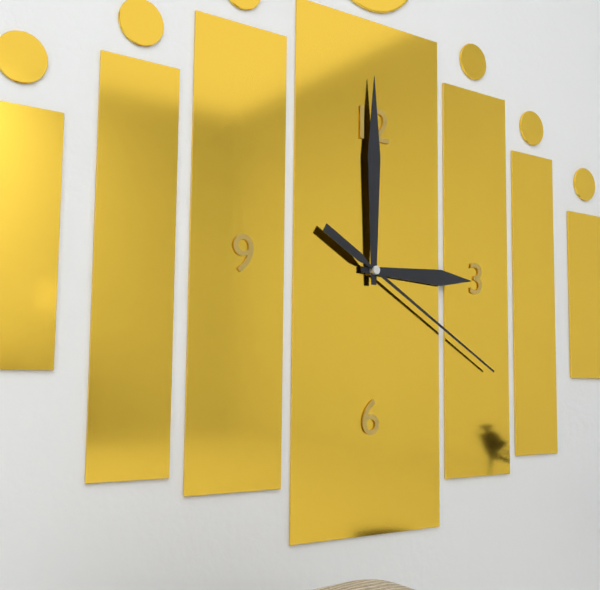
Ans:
h=3 m=0 s=20
